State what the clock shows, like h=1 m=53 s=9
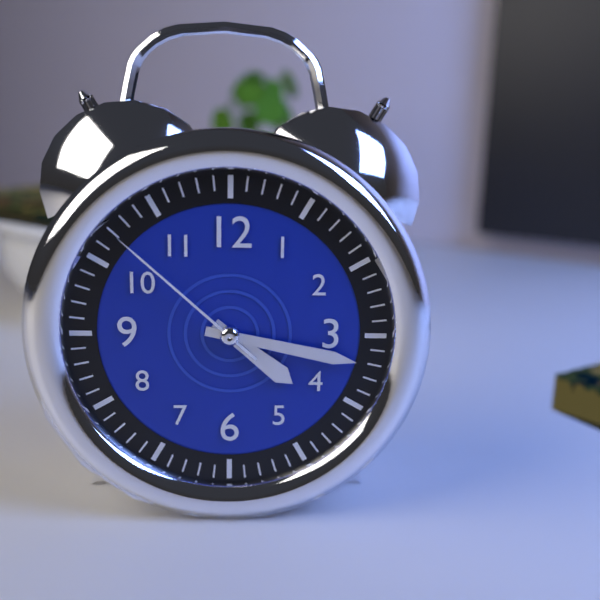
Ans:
h=4 m=17 s=52
